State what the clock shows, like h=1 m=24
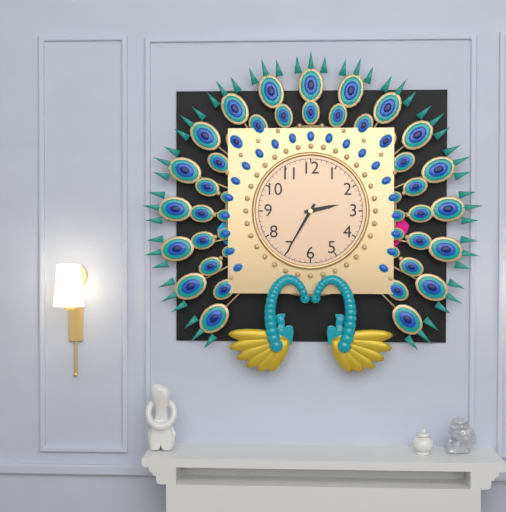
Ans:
h=2 m=35
